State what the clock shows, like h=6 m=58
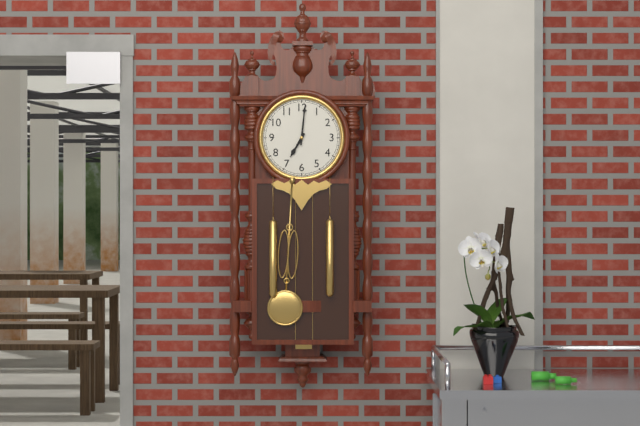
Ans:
h=7 m=1
